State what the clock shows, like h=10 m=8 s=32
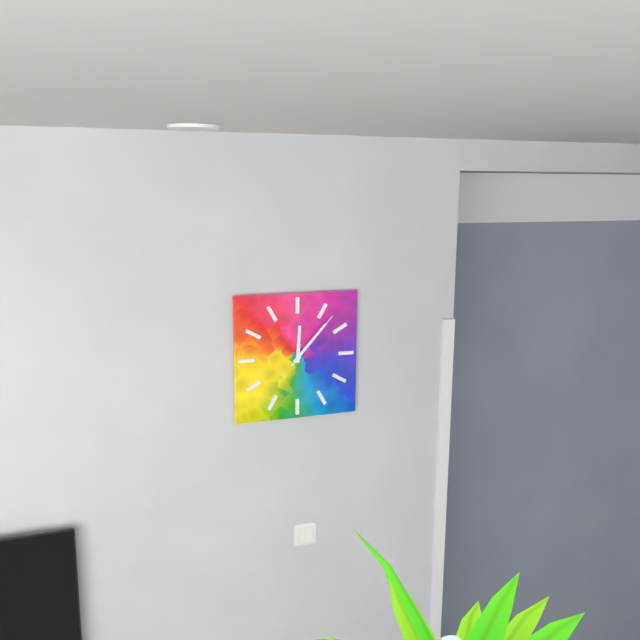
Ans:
h=12 m=7 s=7
